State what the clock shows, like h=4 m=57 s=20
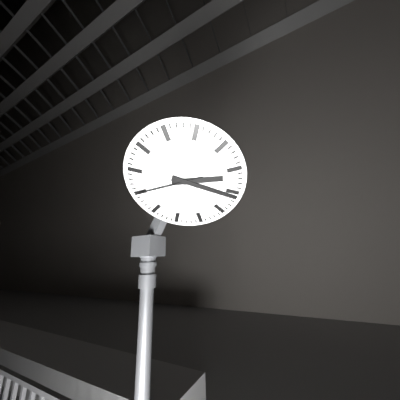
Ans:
h=3 m=21 s=45
